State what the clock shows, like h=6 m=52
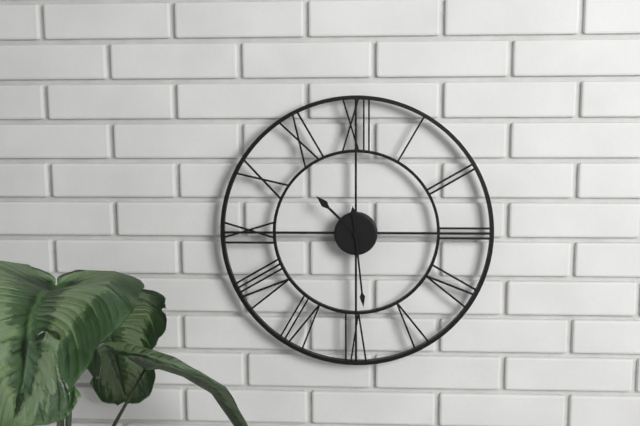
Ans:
h=10 m=29
